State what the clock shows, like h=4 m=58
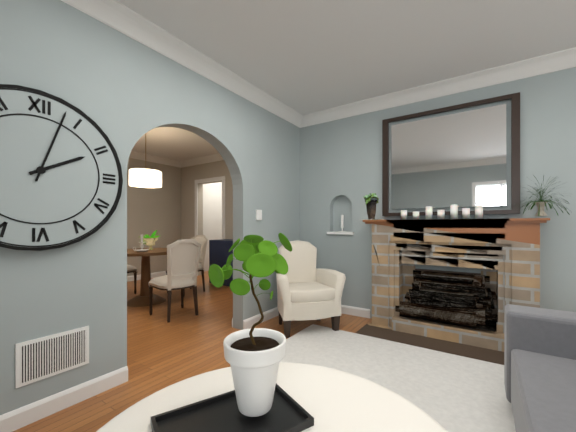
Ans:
h=2 m=3
